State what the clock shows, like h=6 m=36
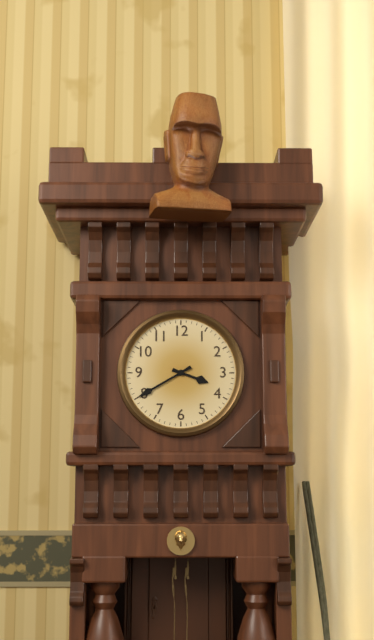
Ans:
h=3 m=40
